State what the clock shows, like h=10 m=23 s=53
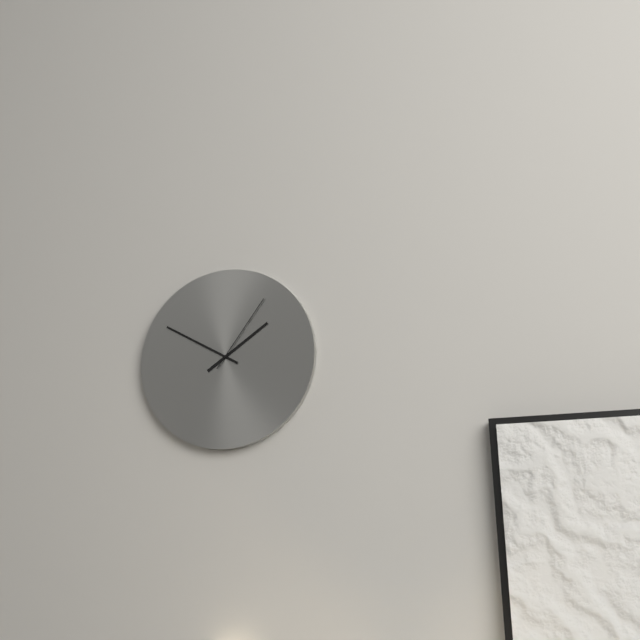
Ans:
h=1 m=50 s=6
